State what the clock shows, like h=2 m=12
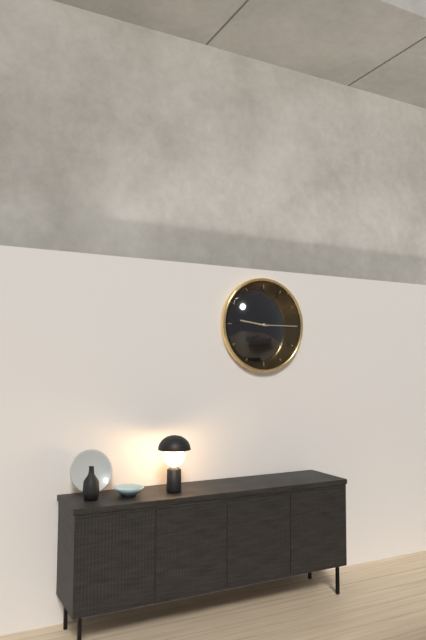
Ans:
h=9 m=15
